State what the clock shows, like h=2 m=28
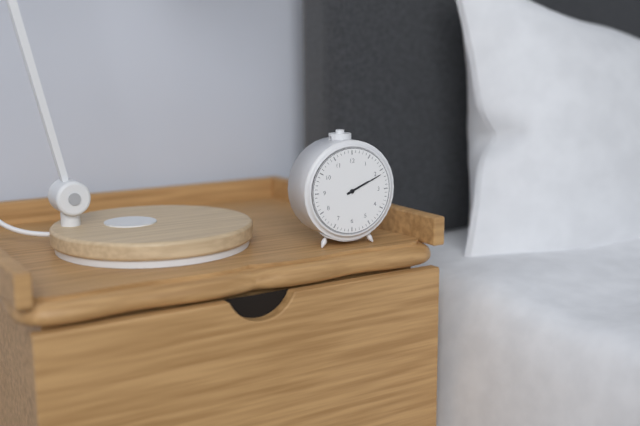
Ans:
h=2 m=11
